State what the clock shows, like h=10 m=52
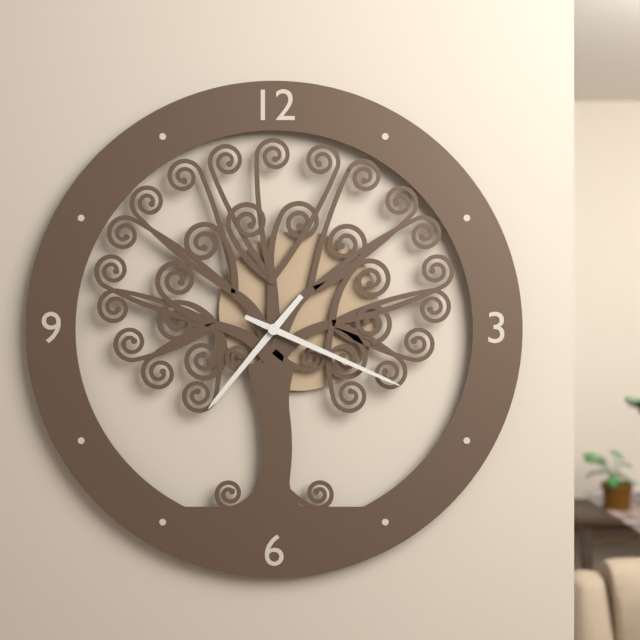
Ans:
h=7 m=19
